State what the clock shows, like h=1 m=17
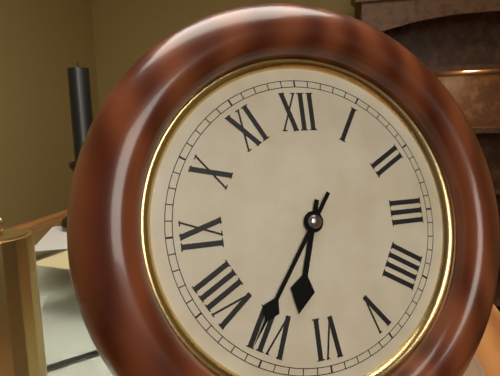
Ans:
h=6 m=36
